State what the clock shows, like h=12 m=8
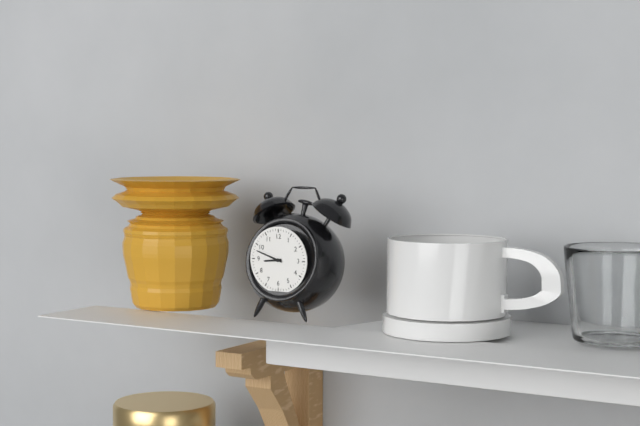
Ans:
h=8 m=48
